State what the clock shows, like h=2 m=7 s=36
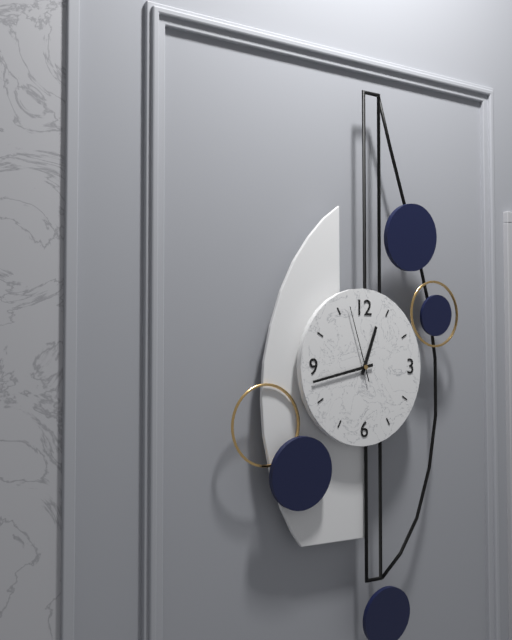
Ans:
h=12 m=43 s=57
